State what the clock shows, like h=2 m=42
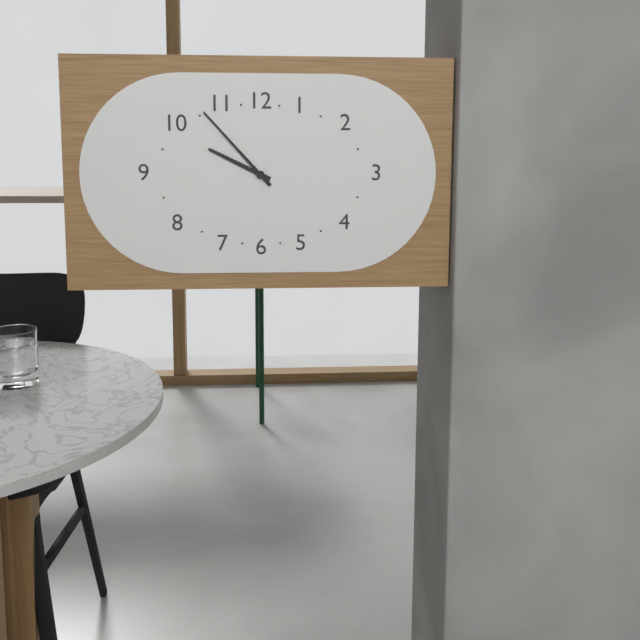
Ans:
h=9 m=53
